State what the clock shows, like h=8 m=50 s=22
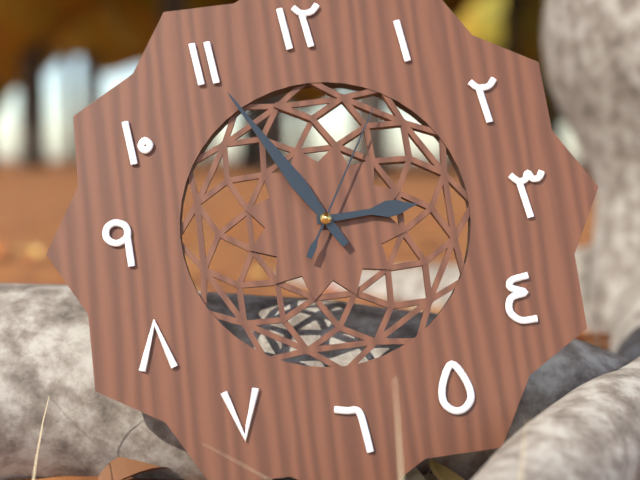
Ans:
h=2 m=55 s=5
